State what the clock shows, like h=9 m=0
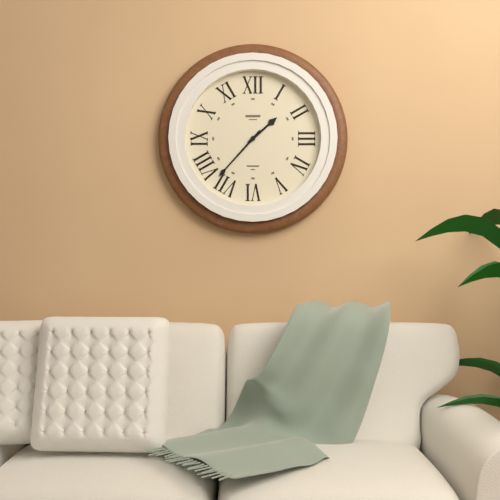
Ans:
h=1 m=37
